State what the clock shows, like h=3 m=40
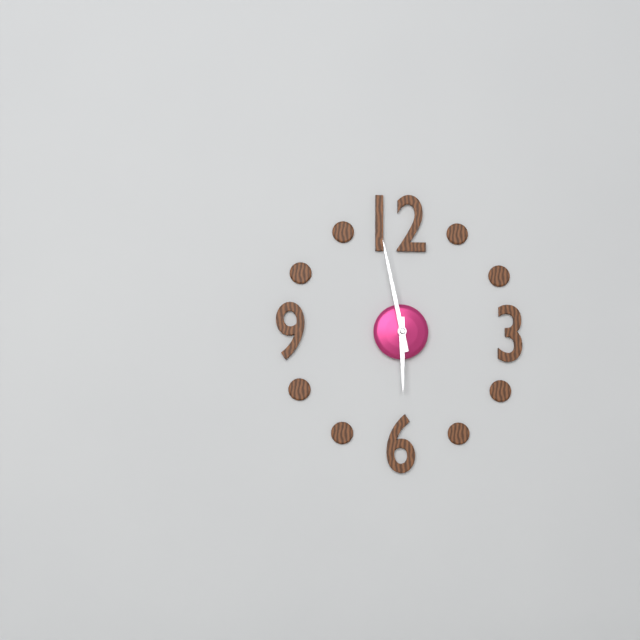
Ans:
h=5 m=58
